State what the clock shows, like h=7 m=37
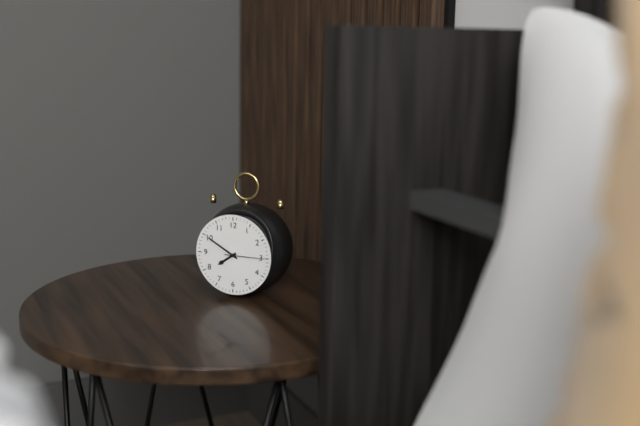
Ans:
h=7 m=50
